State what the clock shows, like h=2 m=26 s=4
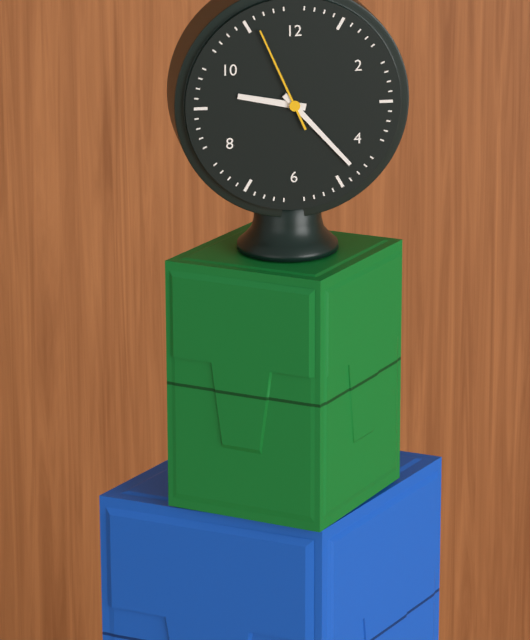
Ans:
h=9 m=23 s=56
